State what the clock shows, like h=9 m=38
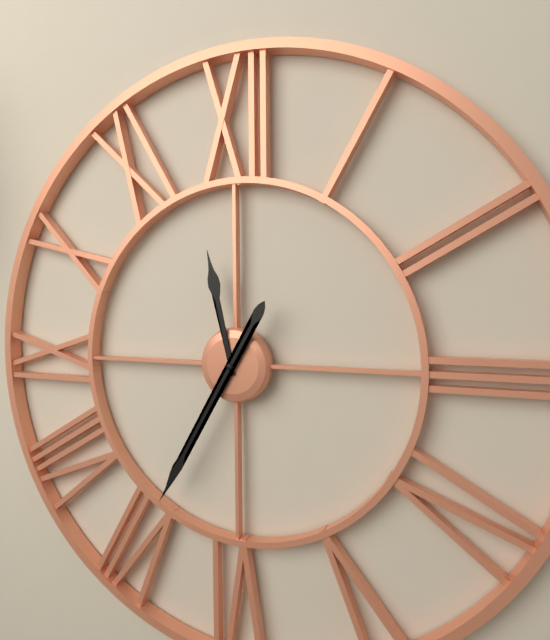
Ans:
h=11 m=35
